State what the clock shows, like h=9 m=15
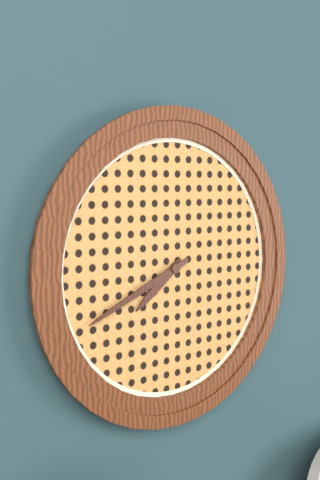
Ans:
h=7 m=41
